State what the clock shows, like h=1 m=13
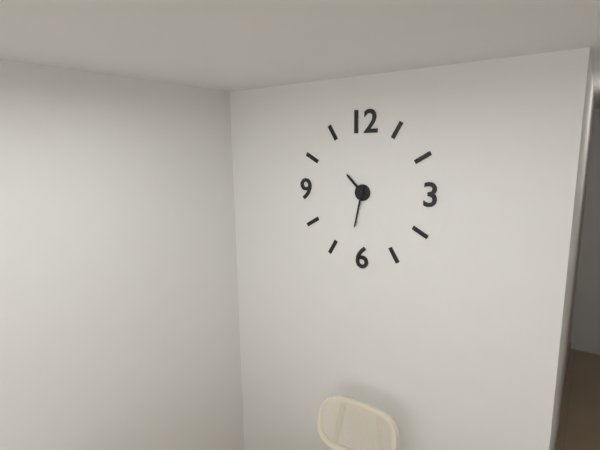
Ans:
h=10 m=32
